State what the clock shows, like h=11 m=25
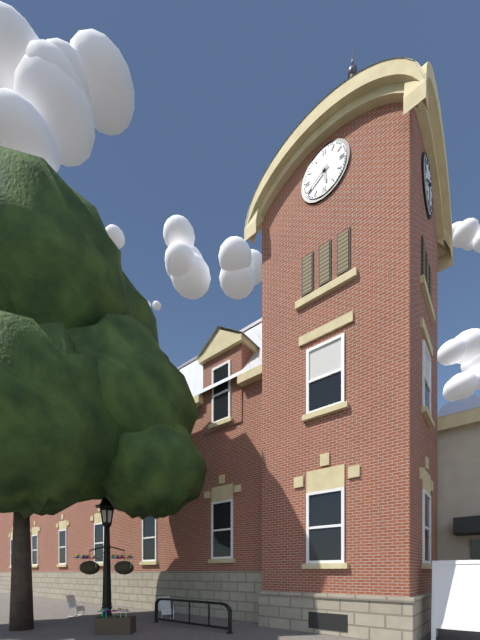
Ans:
h=5 m=40
